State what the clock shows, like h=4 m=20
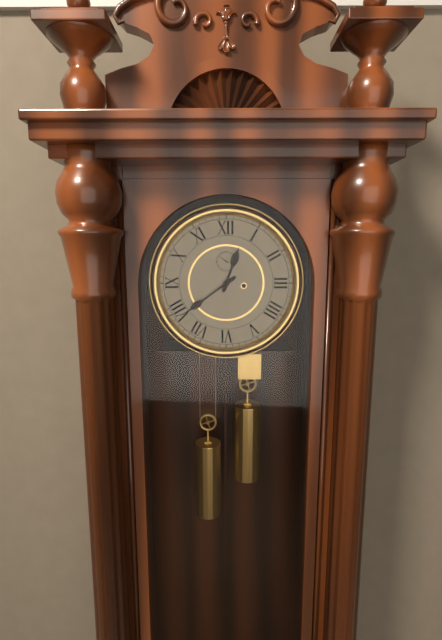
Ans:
h=12 m=39
